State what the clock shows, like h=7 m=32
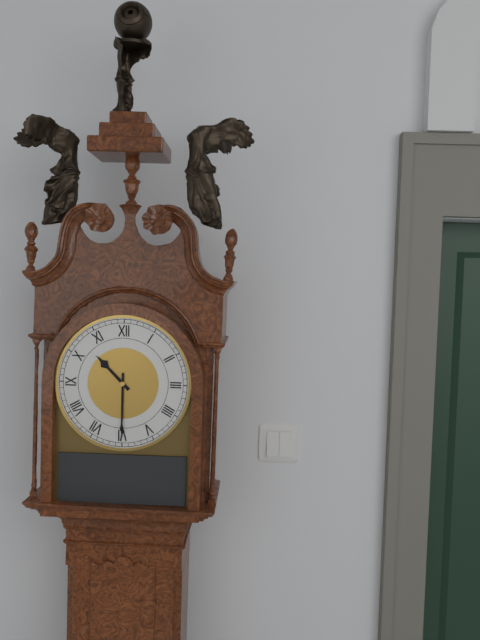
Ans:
h=10 m=30
